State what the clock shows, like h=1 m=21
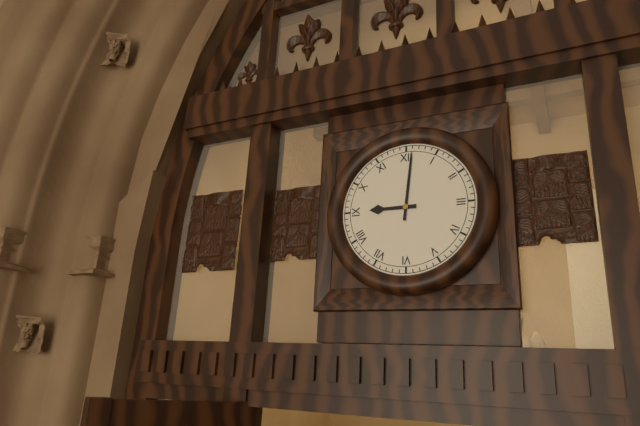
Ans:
h=9 m=1
